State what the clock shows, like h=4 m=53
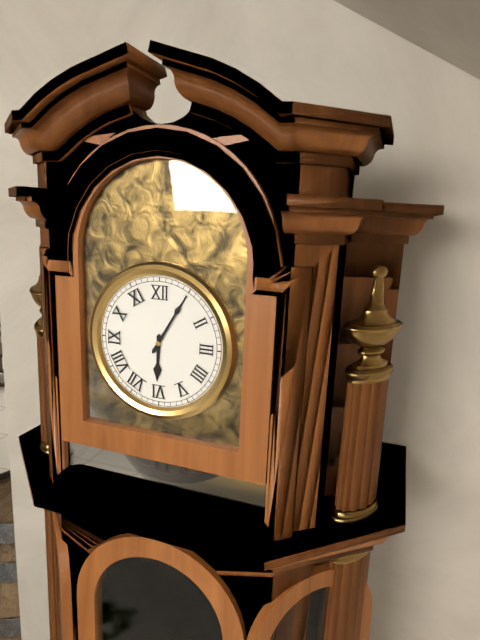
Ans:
h=6 m=5
